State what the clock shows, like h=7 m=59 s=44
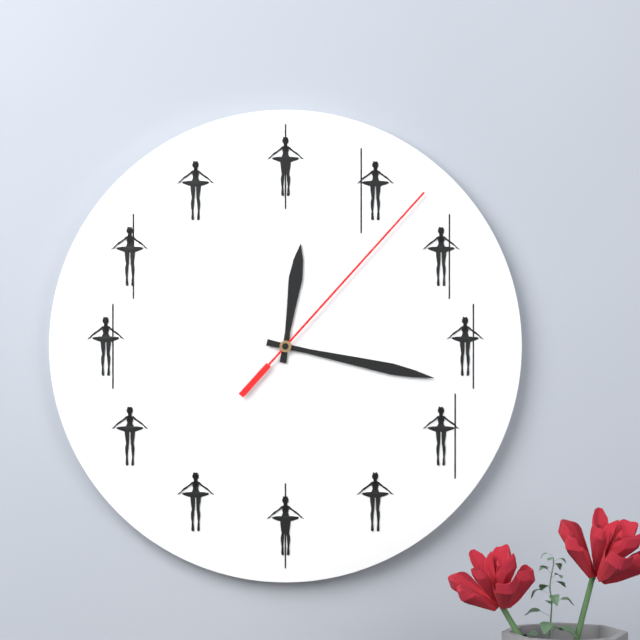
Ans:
h=12 m=17 s=7
